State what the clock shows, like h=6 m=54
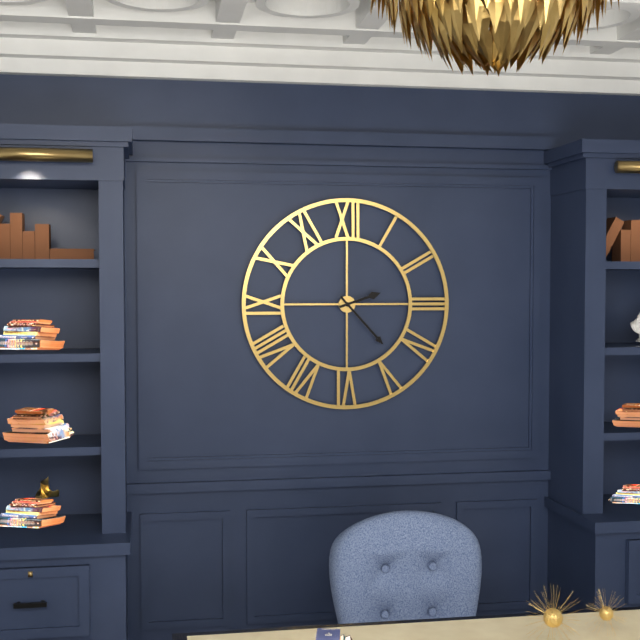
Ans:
h=2 m=23
